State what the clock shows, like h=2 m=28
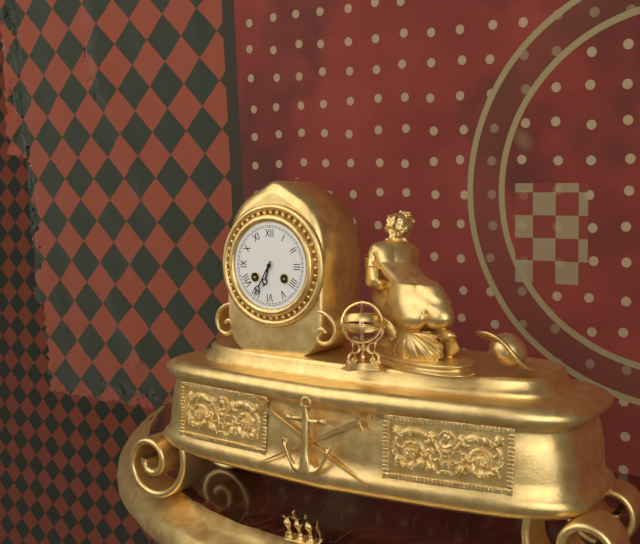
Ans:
h=6 m=35
